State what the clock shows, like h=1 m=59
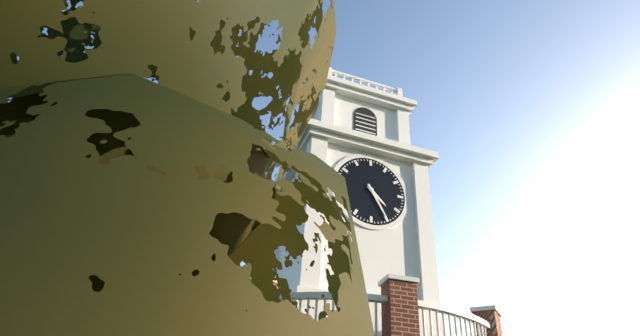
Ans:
h=4 m=25
